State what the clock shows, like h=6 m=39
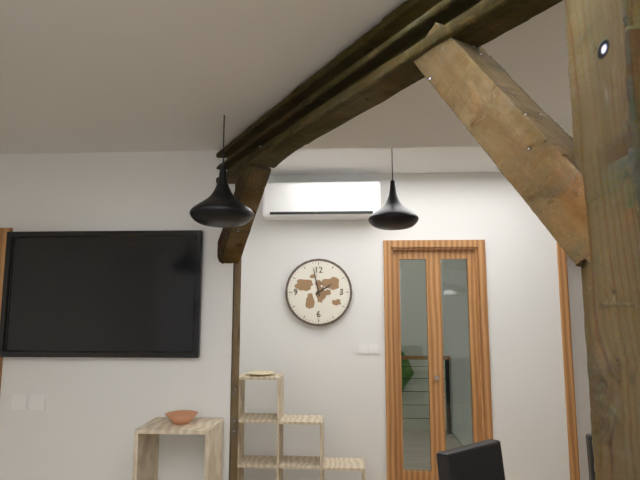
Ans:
h=1 m=58
